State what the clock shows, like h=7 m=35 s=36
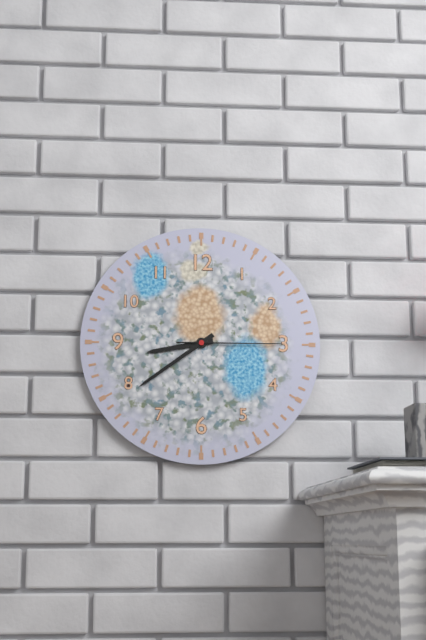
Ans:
h=8 m=39 s=15
